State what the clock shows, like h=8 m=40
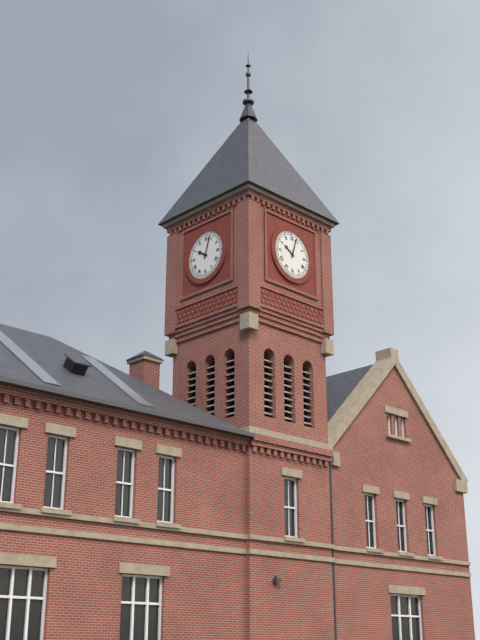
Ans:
h=10 m=3
